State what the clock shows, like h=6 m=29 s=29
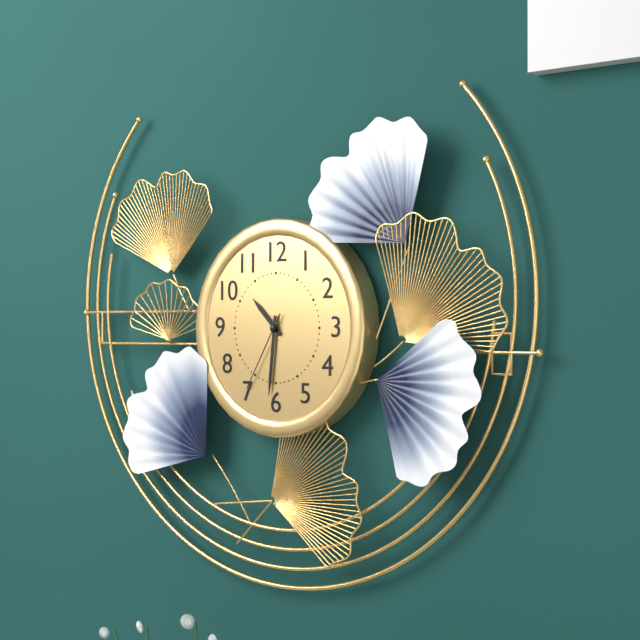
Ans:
h=10 m=31 s=35
